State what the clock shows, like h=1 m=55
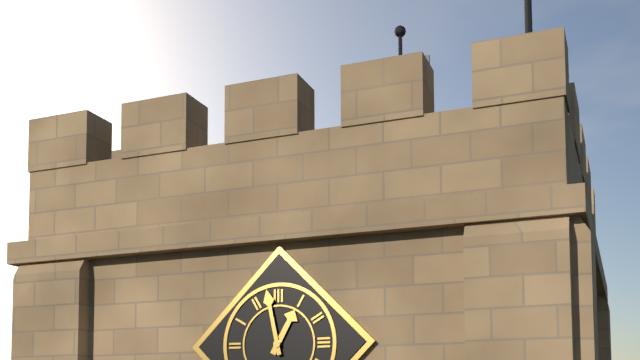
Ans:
h=12 m=58
